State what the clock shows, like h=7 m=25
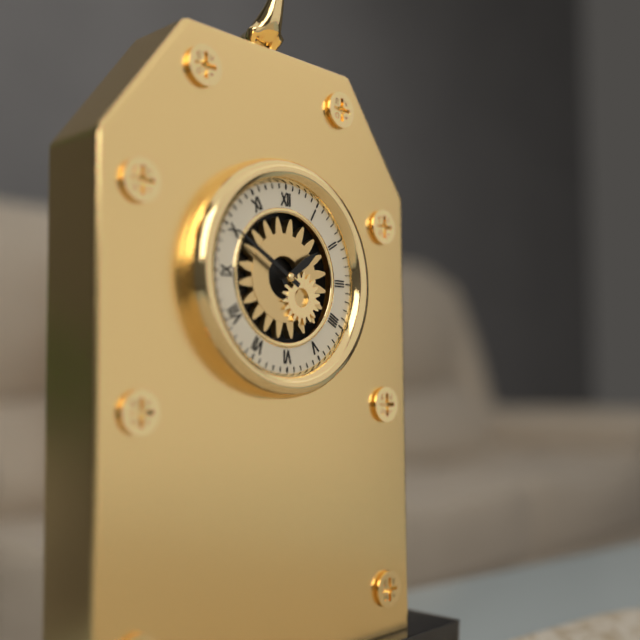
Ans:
h=1 m=50
